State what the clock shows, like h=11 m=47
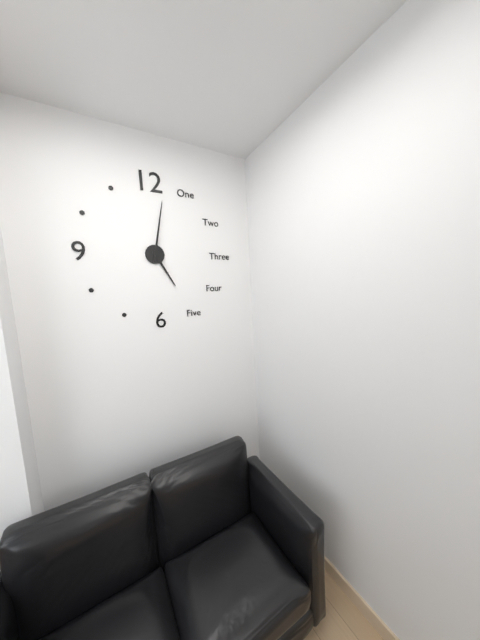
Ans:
h=5 m=2
